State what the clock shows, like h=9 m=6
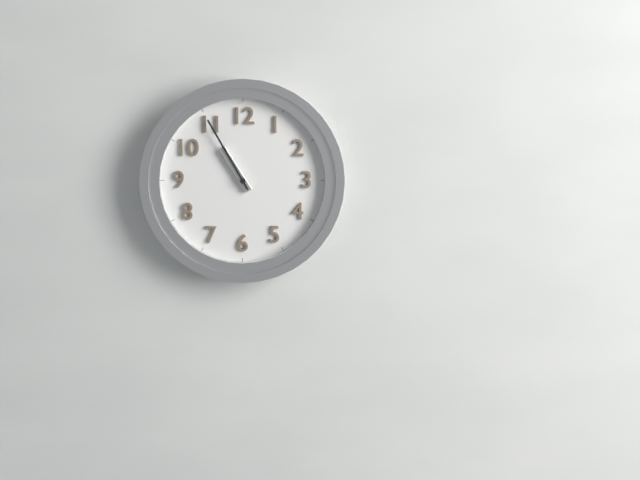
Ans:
h=10 m=55
